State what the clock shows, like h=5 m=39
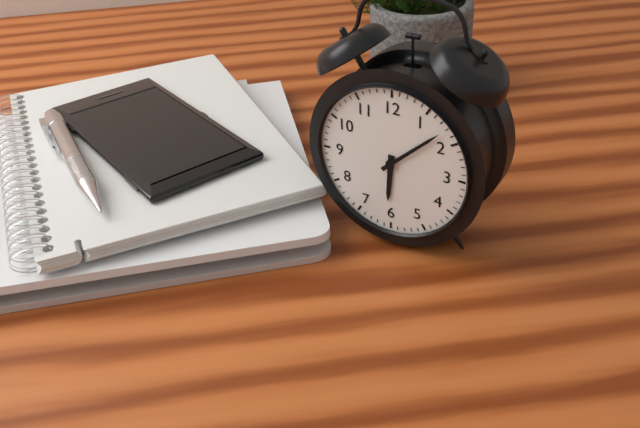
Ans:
h=6 m=8
